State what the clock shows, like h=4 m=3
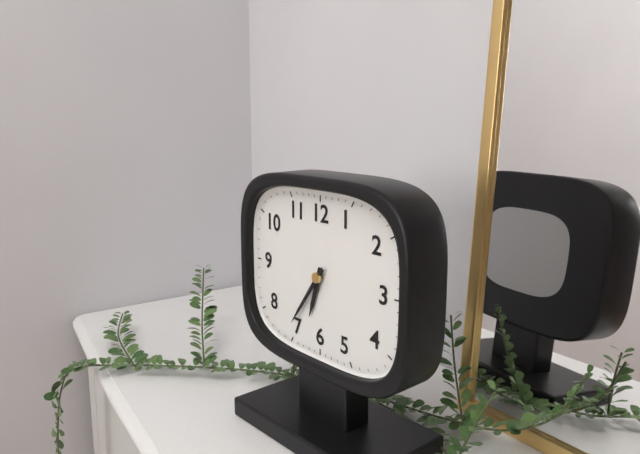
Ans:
h=6 m=36
